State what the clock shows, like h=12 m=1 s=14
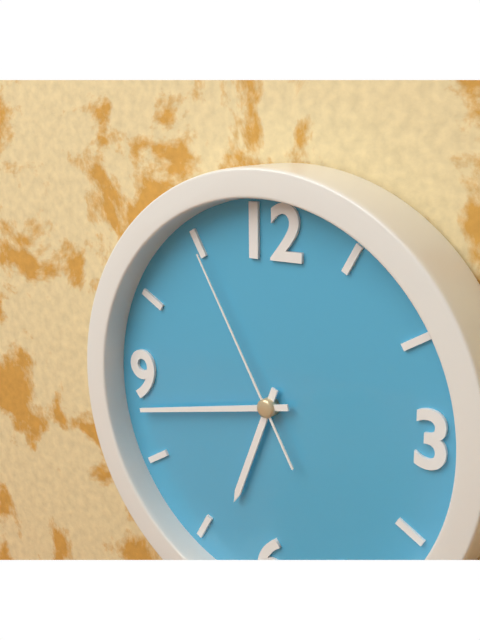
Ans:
h=6 m=43 s=55
